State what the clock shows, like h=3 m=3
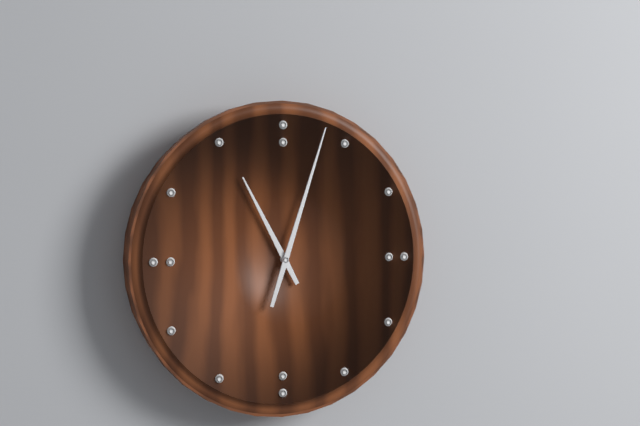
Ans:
h=11 m=3
